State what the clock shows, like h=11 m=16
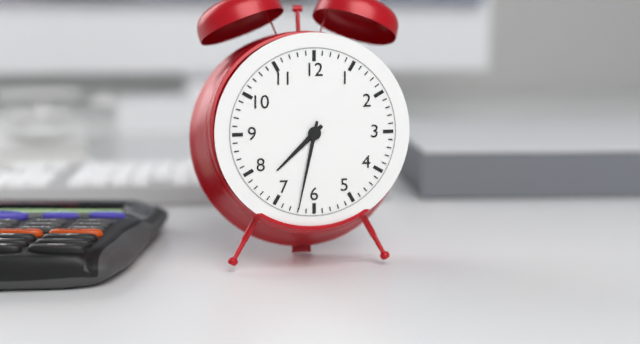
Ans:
h=7 m=32
